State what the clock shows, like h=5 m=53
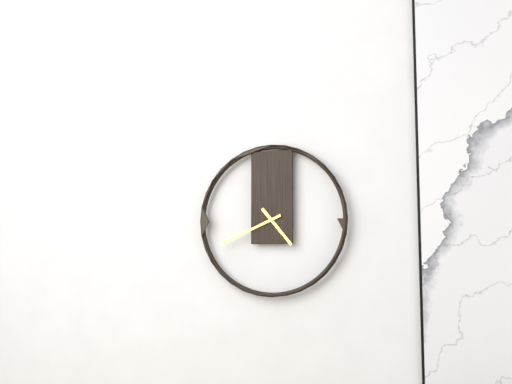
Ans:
h=4 m=41
